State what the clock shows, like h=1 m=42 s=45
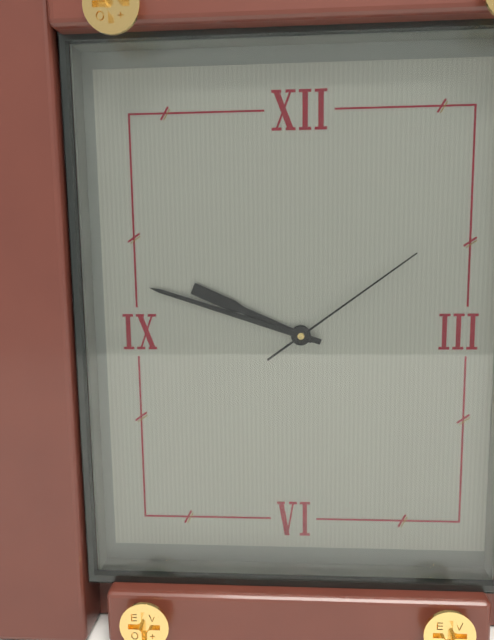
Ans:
h=9 m=48 s=9
